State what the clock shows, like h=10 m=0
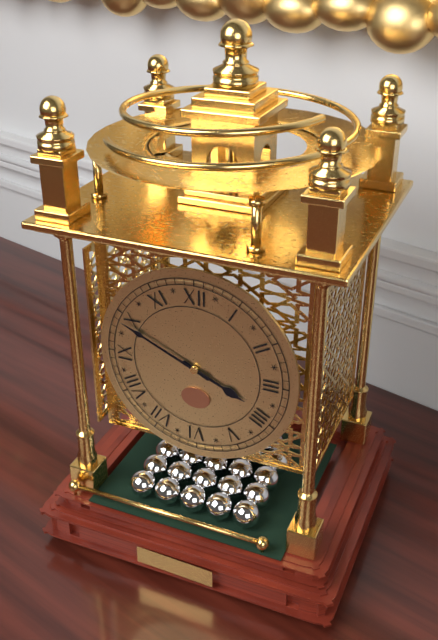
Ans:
h=3 m=49
